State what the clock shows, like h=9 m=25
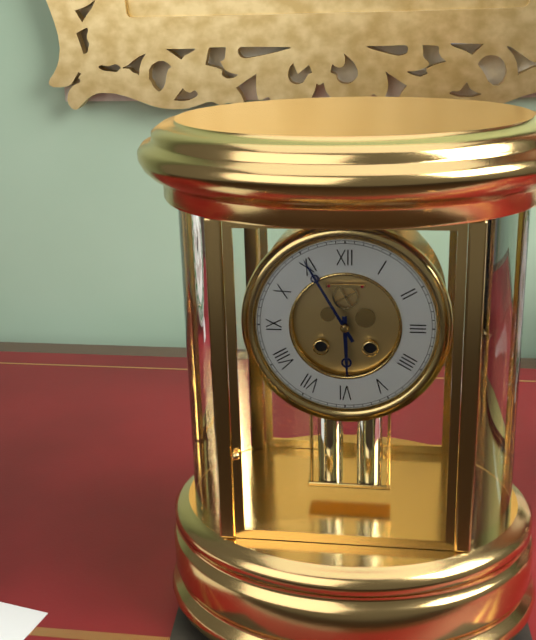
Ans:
h=5 m=55
